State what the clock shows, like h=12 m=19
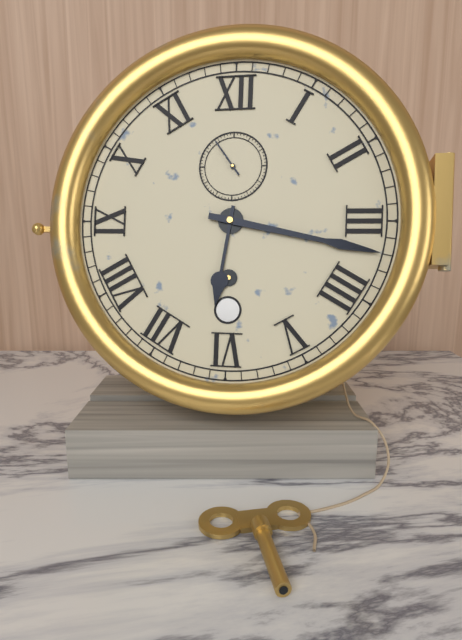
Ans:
h=6 m=17
